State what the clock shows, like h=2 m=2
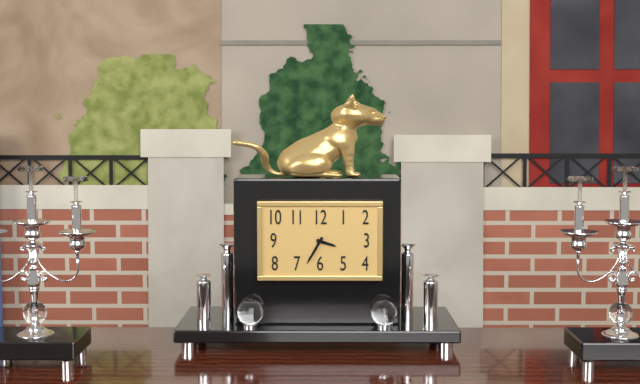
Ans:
h=3 m=35
